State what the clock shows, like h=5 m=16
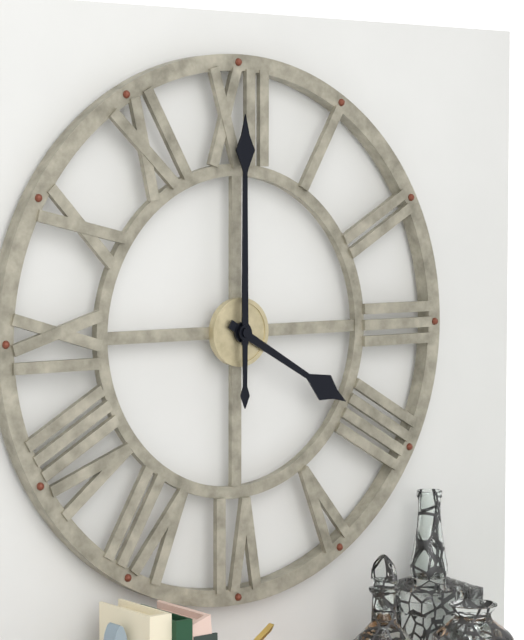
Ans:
h=4 m=0
